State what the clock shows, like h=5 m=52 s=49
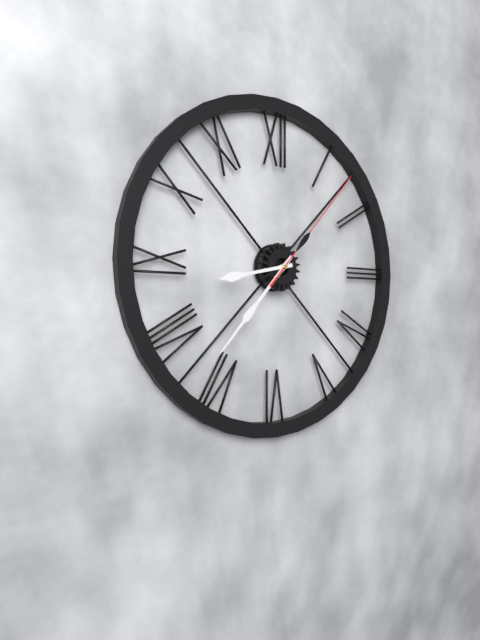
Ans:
h=8 m=37 s=7
